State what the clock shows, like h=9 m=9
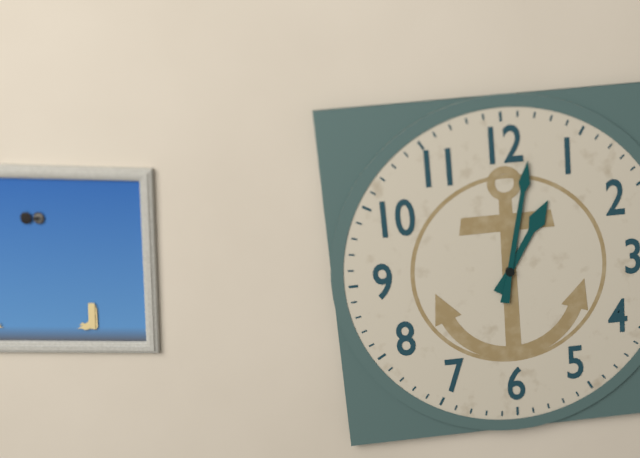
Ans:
h=1 m=2
